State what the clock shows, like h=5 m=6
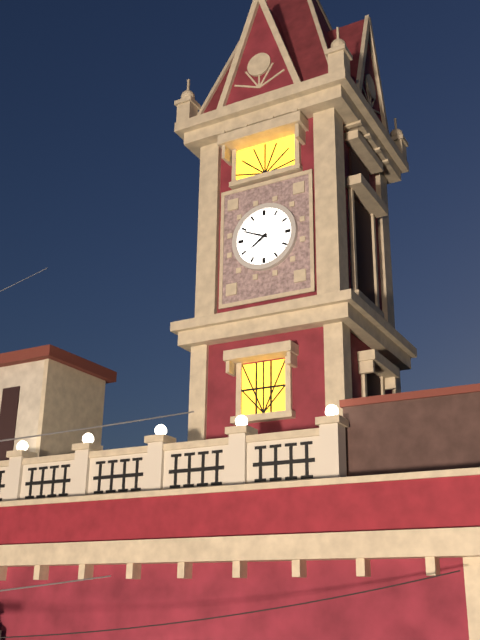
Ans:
h=7 m=49
